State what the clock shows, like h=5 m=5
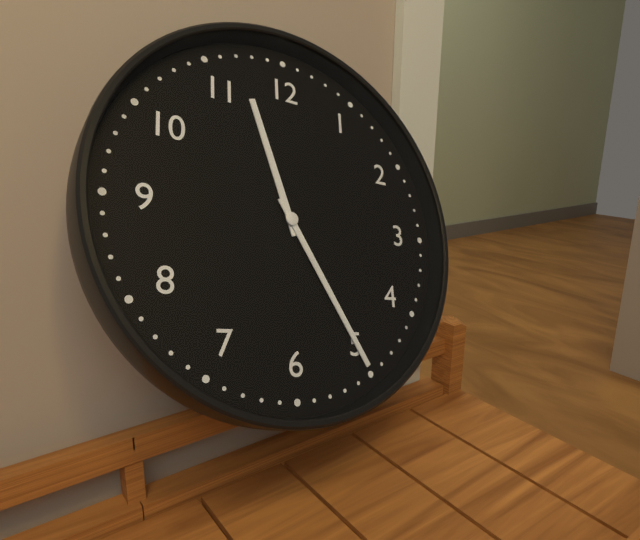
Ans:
h=11 m=25
